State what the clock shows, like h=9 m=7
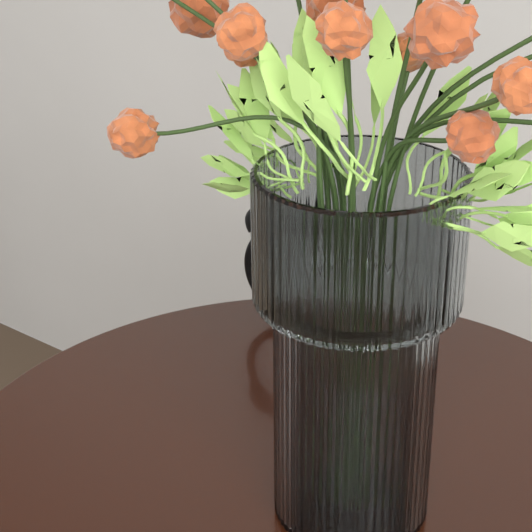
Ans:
h=9 m=17
